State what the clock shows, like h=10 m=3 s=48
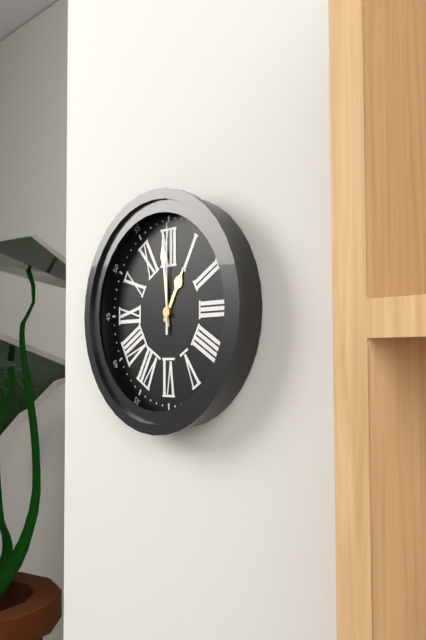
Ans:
h=12 m=59 s=0
